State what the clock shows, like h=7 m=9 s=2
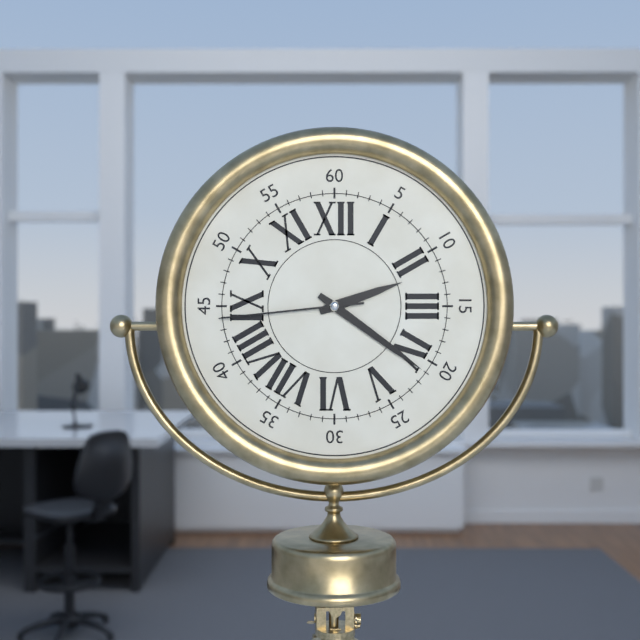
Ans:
h=2 m=21 s=44
